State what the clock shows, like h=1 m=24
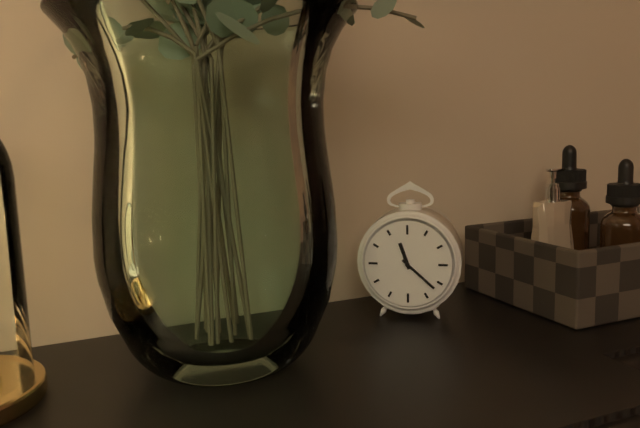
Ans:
h=11 m=22
